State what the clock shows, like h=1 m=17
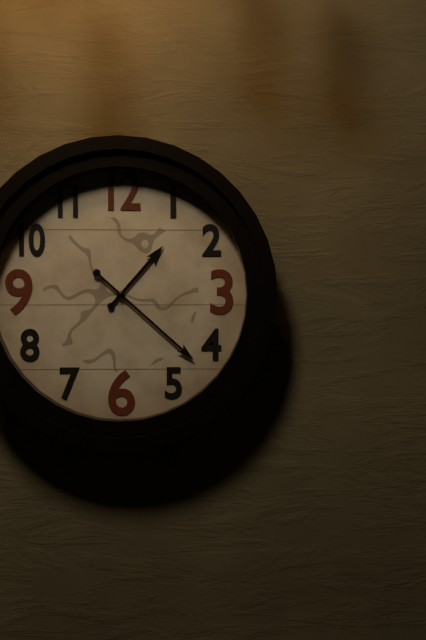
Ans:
h=1 m=22
